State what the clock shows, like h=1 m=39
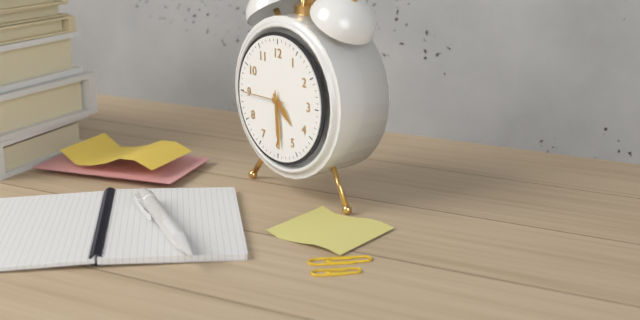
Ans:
h=4 m=29
